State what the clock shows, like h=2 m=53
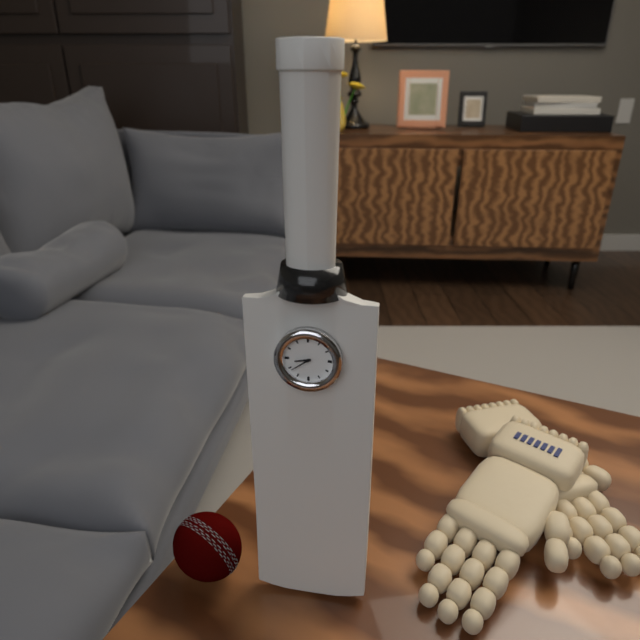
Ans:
h=8 m=39
